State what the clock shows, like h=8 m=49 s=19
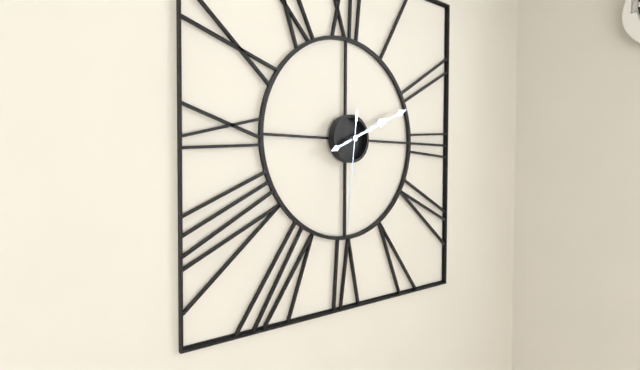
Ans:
h=2 m=11 s=31
